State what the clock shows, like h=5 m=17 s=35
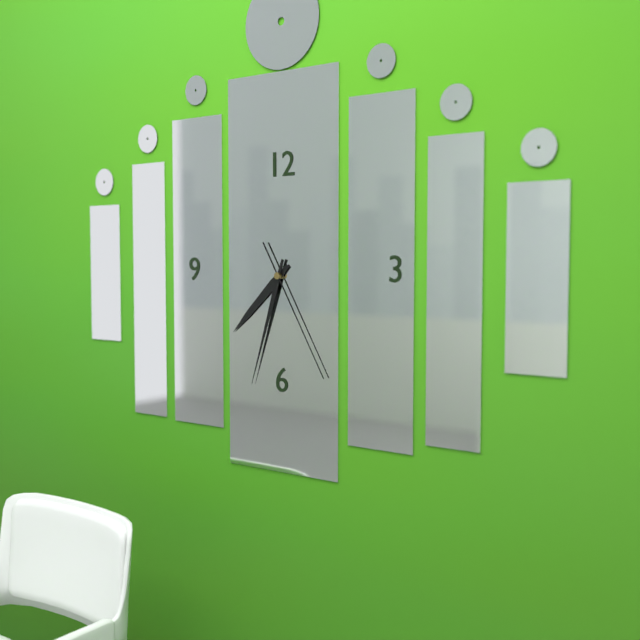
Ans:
h=7 m=33 s=25
